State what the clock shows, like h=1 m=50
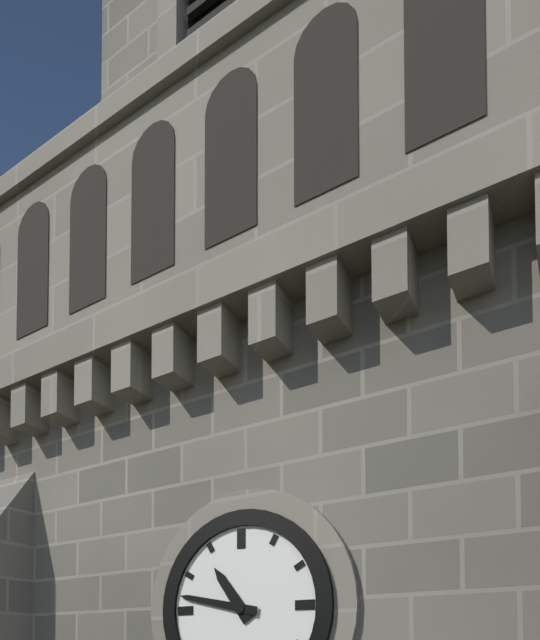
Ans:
h=10 m=47
